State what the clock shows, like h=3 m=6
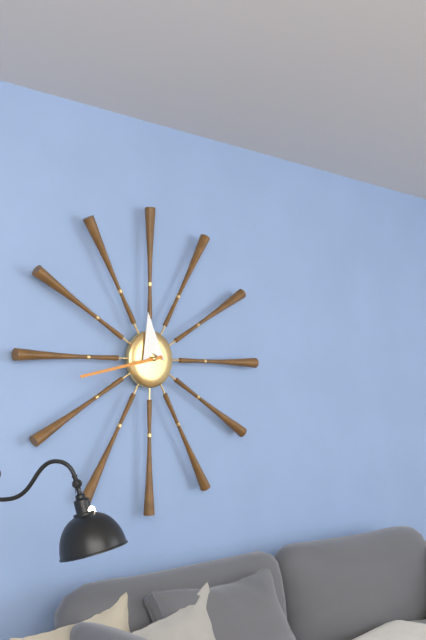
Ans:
h=11 m=43
